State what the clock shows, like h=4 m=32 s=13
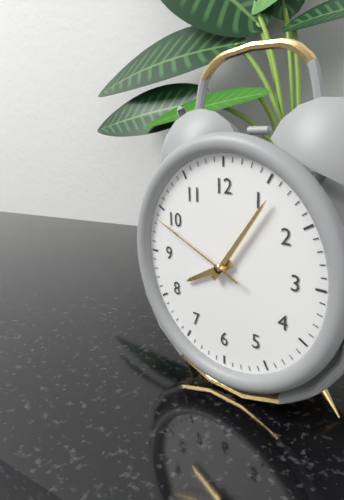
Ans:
h=8 m=6 s=49
